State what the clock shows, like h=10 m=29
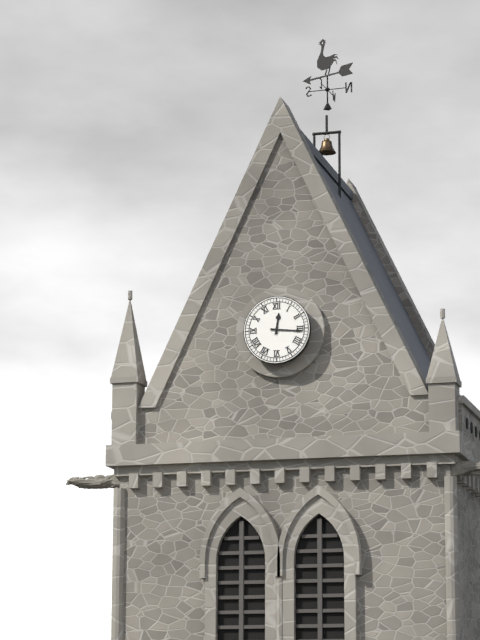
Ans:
h=12 m=16
